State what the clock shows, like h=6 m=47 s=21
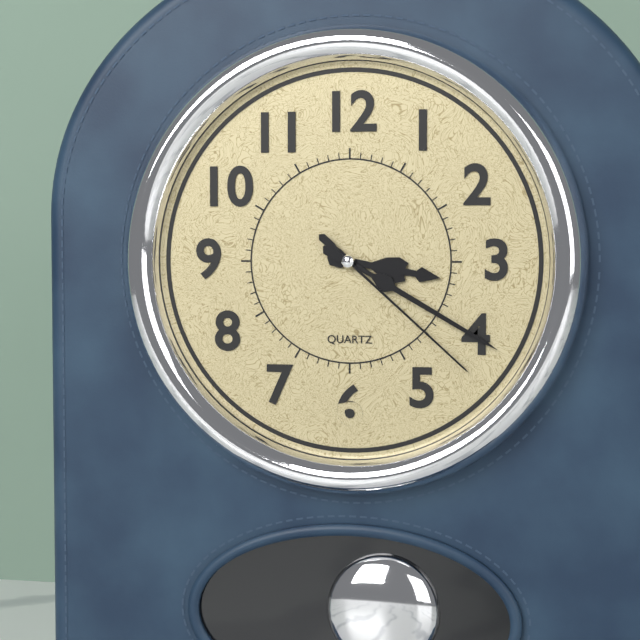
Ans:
h=3 m=20 s=22
